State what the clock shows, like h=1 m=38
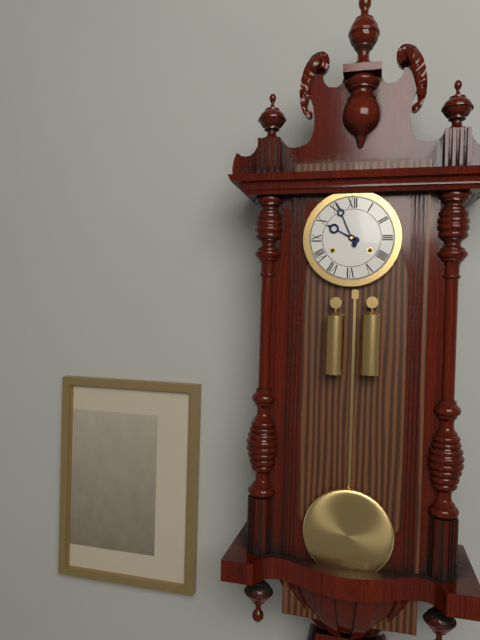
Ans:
h=9 m=56
